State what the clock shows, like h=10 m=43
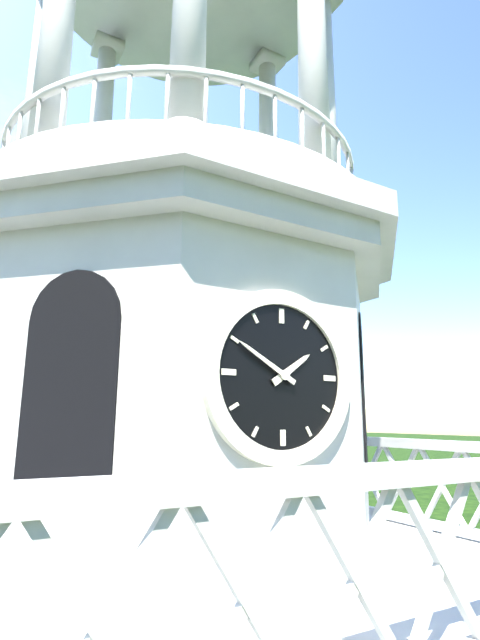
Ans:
h=1 m=50
